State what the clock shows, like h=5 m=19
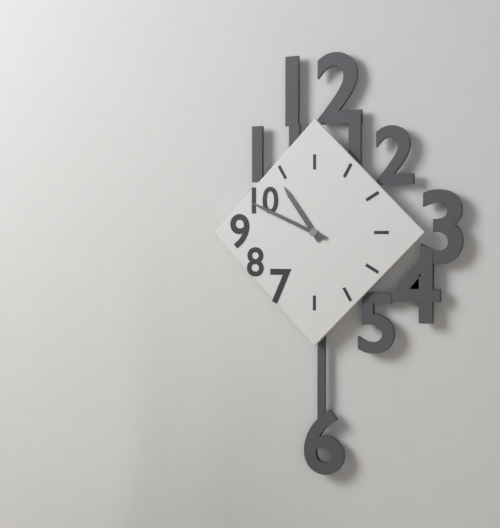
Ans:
h=10 m=49
